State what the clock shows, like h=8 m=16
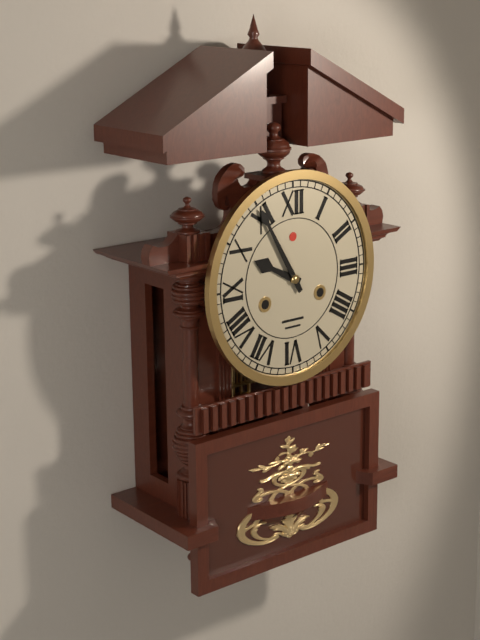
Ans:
h=9 m=55
